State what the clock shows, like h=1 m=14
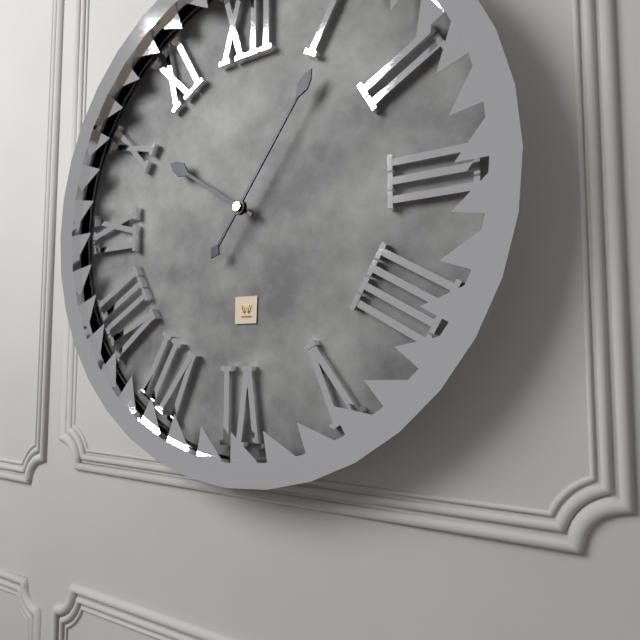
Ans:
h=10 m=6
